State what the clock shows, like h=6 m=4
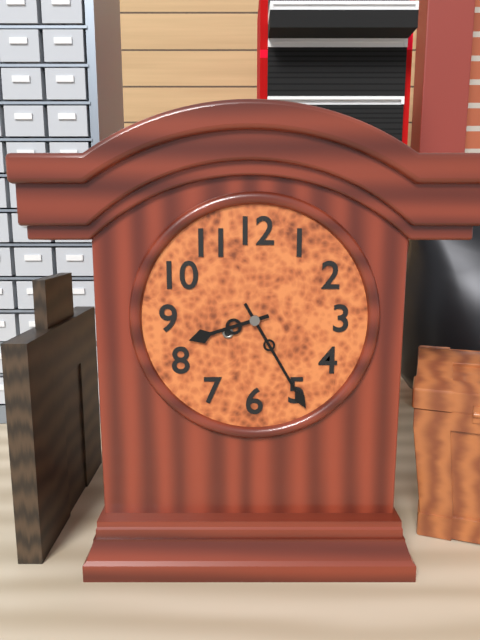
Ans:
h=8 m=25
